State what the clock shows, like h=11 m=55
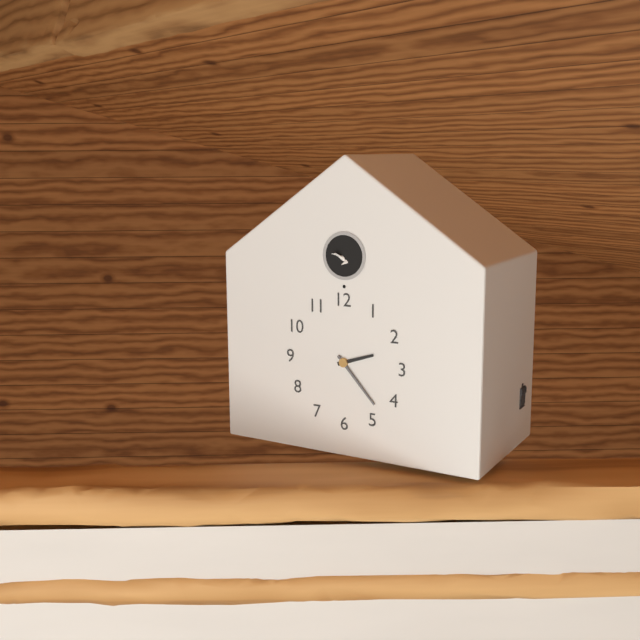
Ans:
h=2 m=23
